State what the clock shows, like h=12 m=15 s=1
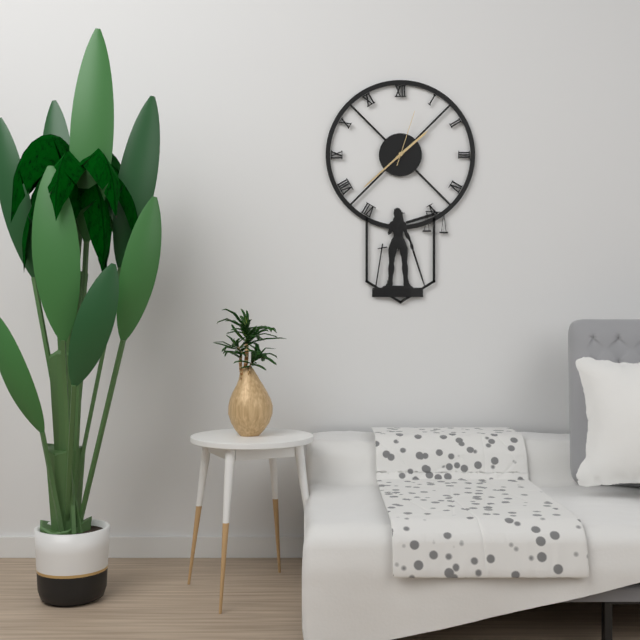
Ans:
h=1 m=38 s=3
